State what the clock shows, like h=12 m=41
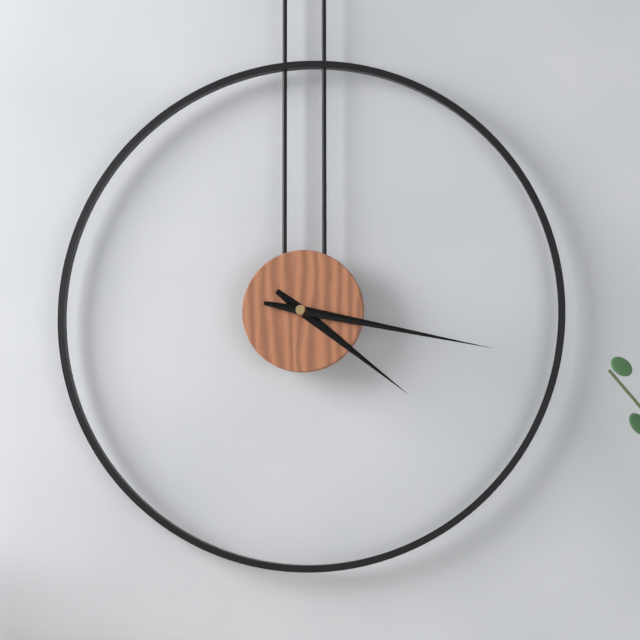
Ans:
h=4 m=17
